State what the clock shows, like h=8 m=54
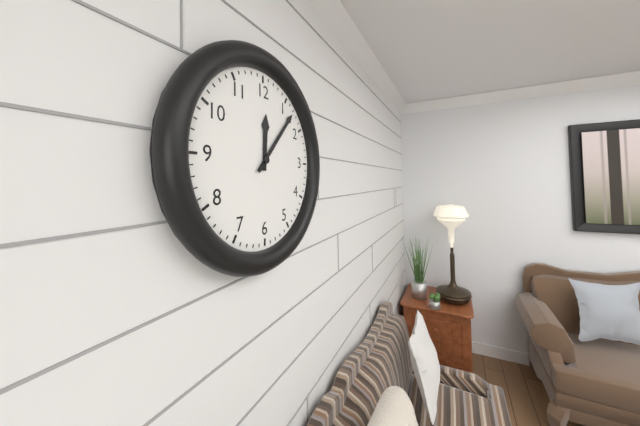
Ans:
h=12 m=7
